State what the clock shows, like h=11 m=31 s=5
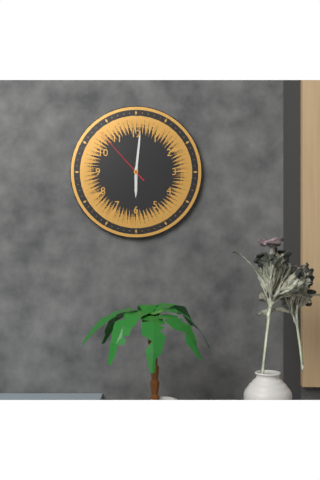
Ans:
h=6 m=1 s=53
